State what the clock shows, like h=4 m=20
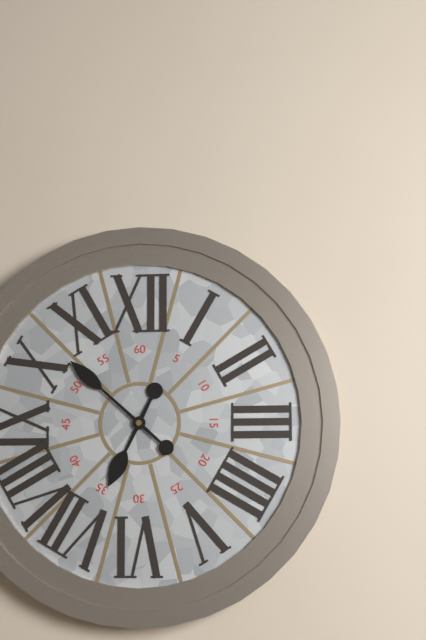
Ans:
h=6 m=52
